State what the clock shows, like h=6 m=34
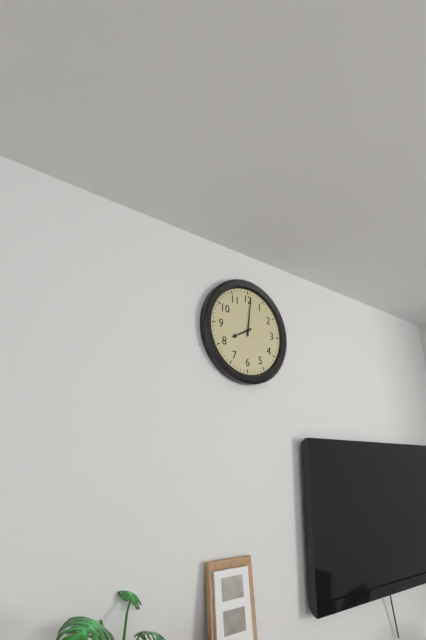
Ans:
h=8 m=1
